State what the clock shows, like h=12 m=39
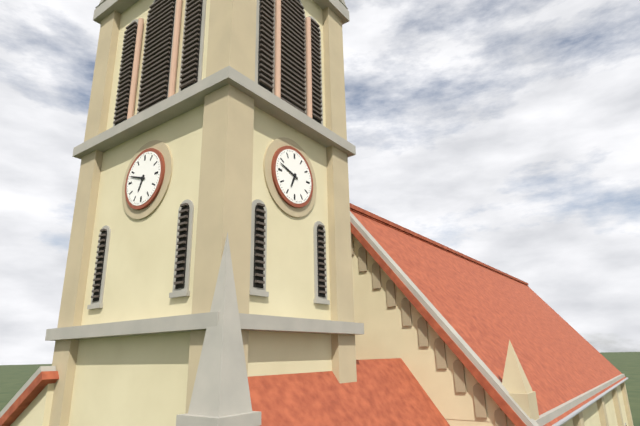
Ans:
h=6 m=48
